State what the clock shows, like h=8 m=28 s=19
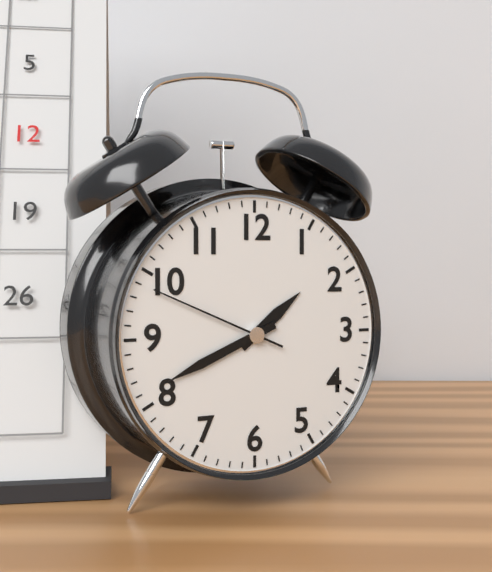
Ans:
h=1 m=41 s=49
